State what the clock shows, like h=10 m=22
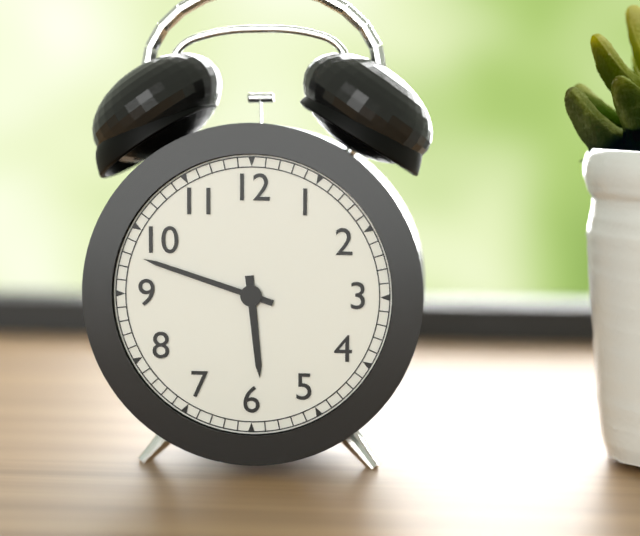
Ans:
h=5 m=48
